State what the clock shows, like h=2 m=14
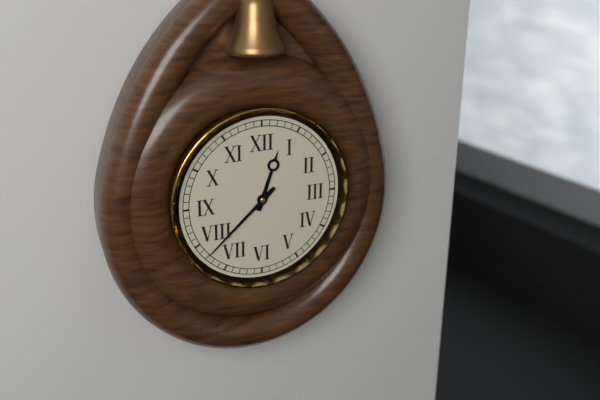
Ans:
h=12 m=38
